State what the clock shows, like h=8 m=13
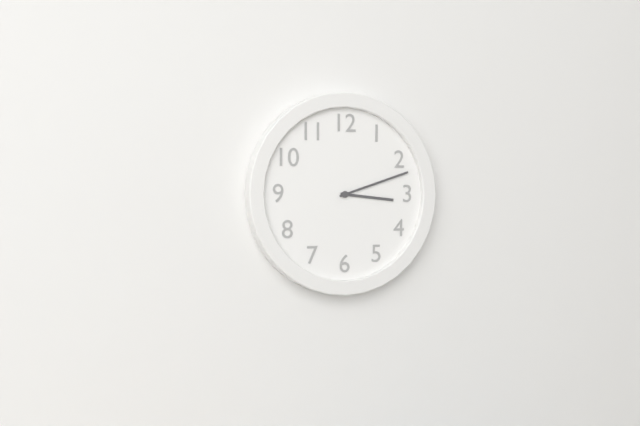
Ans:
h=3 m=12
